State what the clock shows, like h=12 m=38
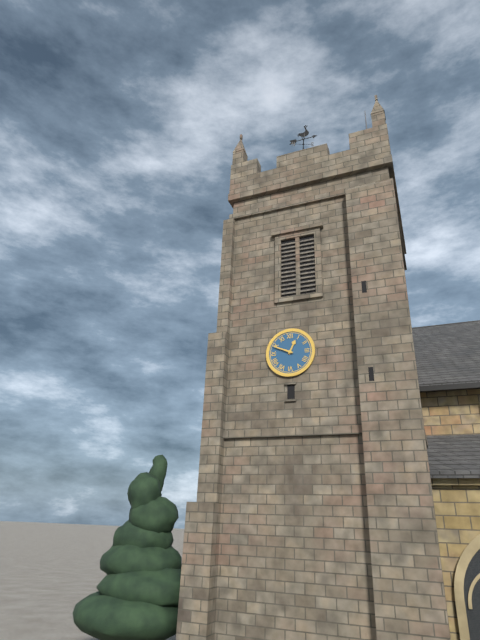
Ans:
h=12 m=49
